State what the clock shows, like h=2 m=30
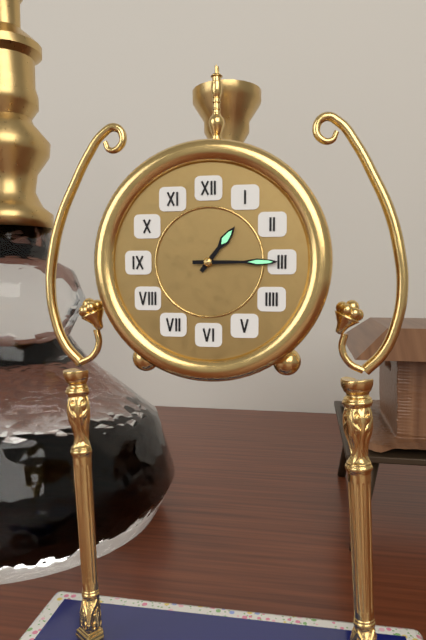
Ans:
h=1 m=15
